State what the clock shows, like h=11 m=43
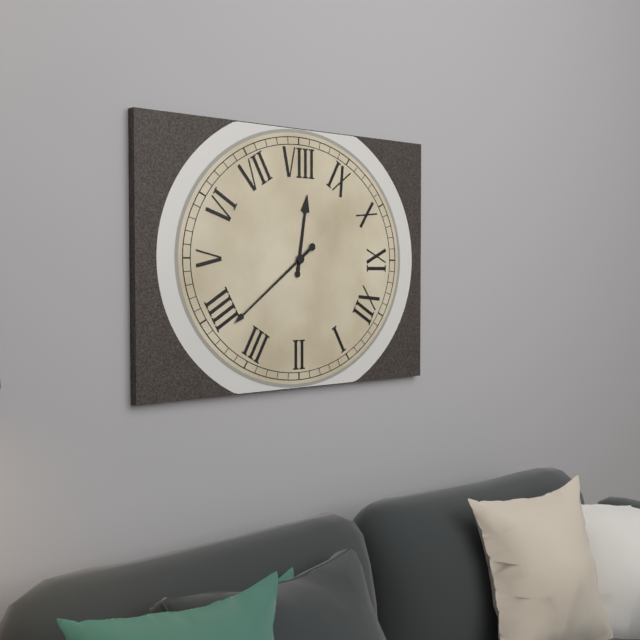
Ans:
h=8 m=19
